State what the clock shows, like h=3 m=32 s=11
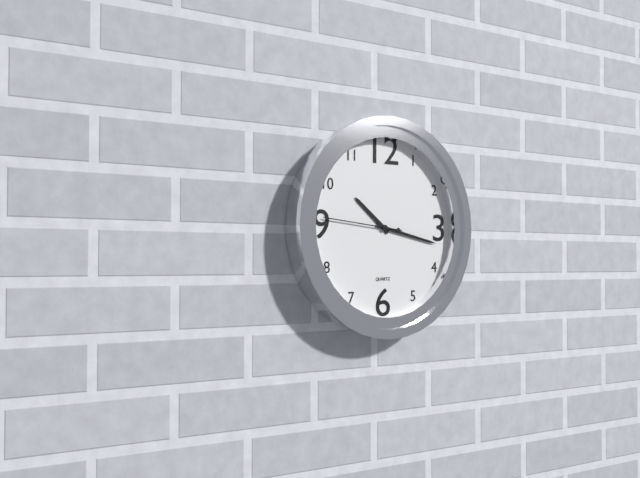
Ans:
h=10 m=17 s=46
